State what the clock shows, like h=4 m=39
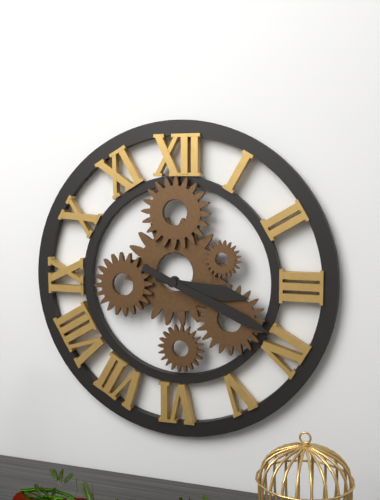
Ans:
h=3 m=19
